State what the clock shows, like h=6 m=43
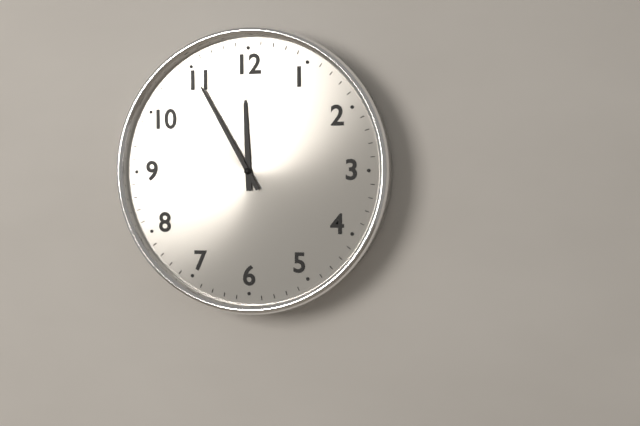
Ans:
h=11 m=55
